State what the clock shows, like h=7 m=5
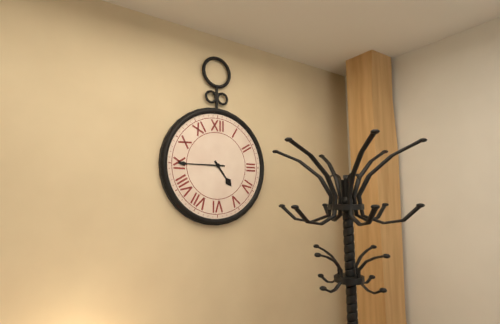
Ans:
h=4 m=45
